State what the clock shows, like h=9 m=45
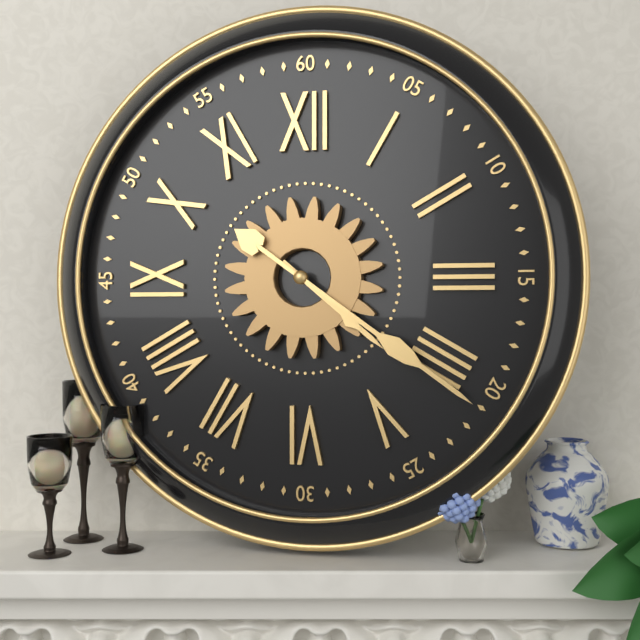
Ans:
h=4 m=21
